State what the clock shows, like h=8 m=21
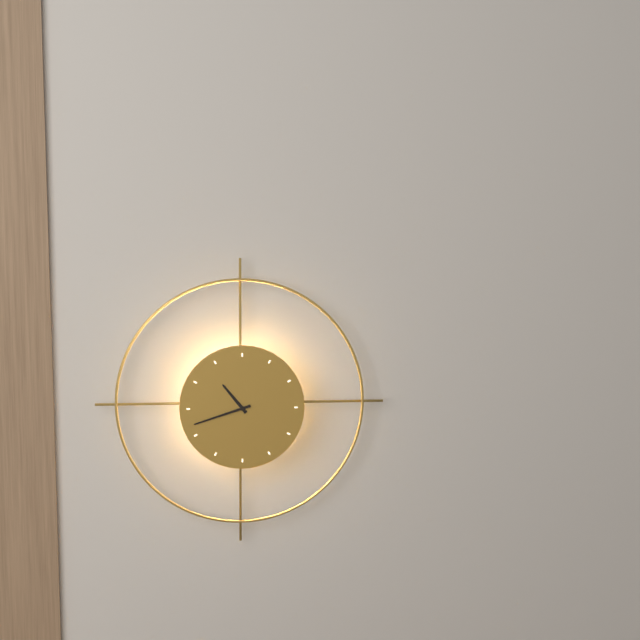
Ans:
h=10 m=42
